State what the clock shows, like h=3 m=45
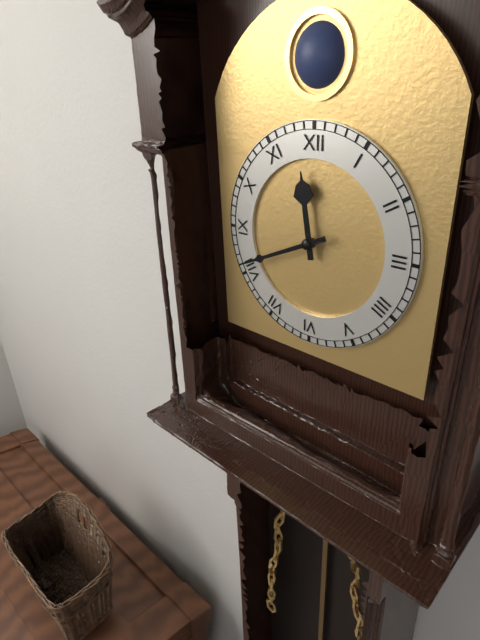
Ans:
h=11 m=41
